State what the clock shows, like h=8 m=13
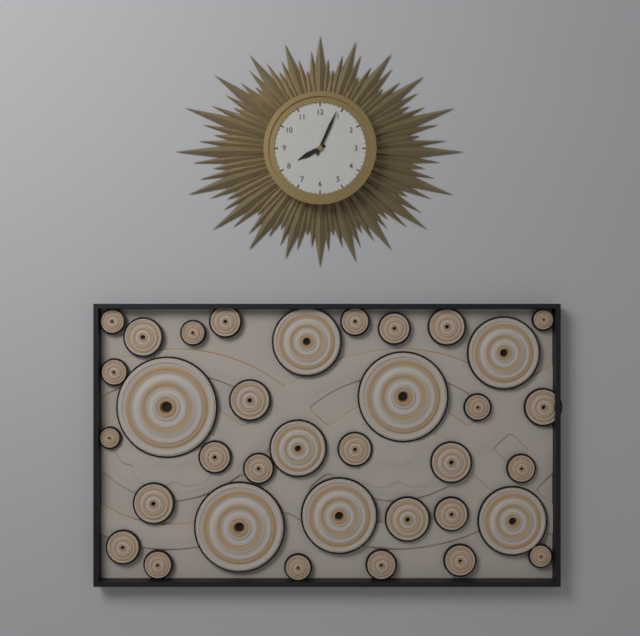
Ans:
h=8 m=4
